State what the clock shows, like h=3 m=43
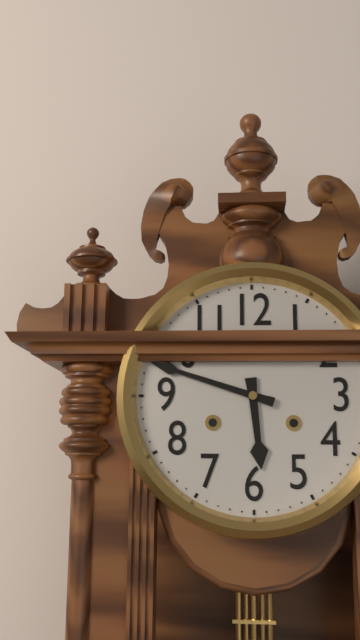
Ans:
h=5 m=48
